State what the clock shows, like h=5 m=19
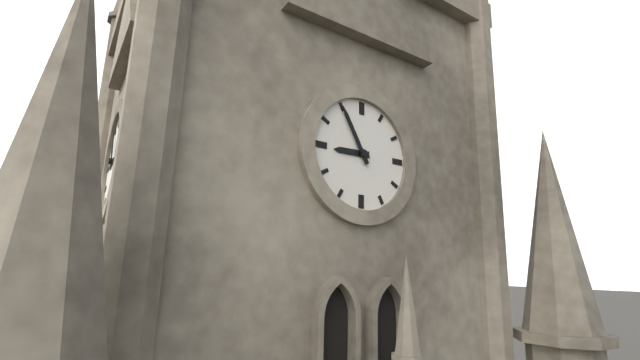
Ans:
h=8 m=55
